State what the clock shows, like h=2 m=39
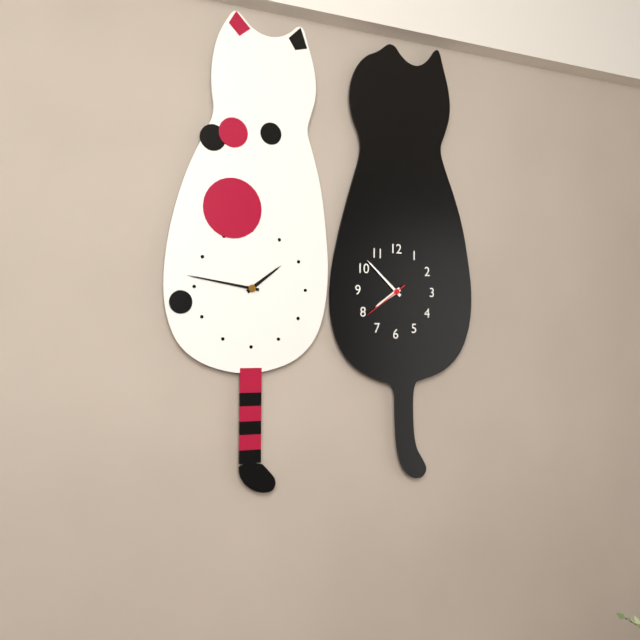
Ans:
h=7 m=52
